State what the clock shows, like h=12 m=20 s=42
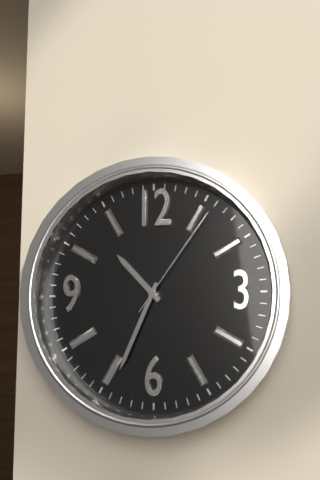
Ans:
h=10 m=34 s=6
